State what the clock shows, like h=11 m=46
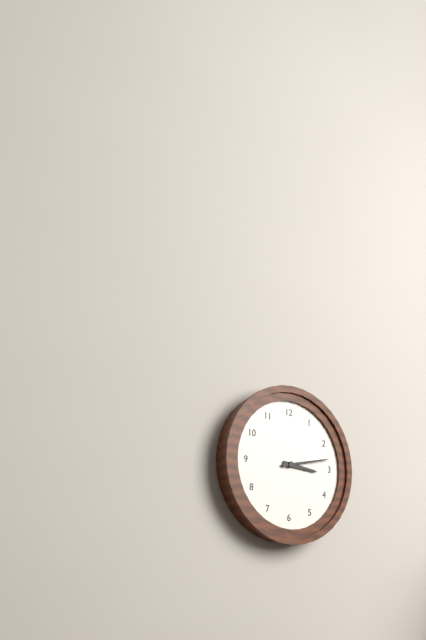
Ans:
h=3 m=13
